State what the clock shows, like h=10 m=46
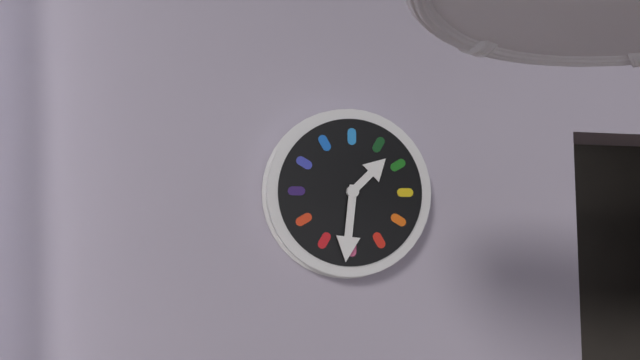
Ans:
h=1 m=31
